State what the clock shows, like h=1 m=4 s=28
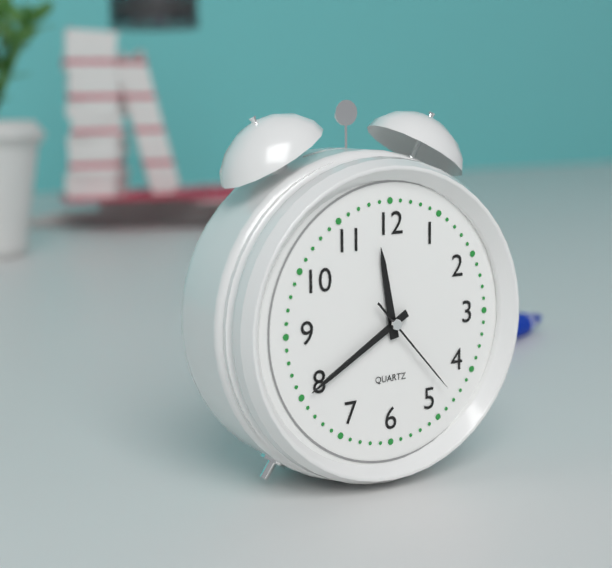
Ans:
h=11 m=40 s=23
